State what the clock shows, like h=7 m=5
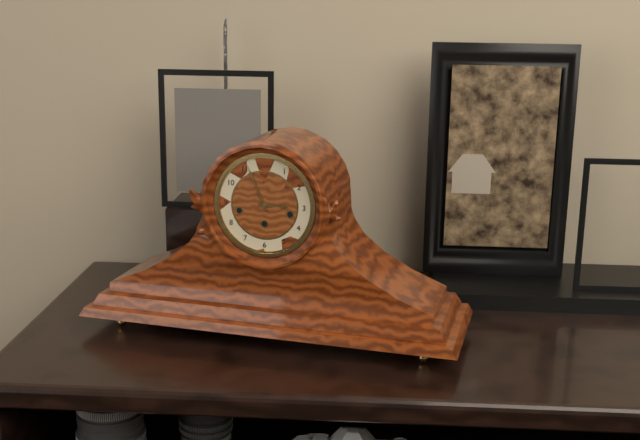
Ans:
h=2 m=56
